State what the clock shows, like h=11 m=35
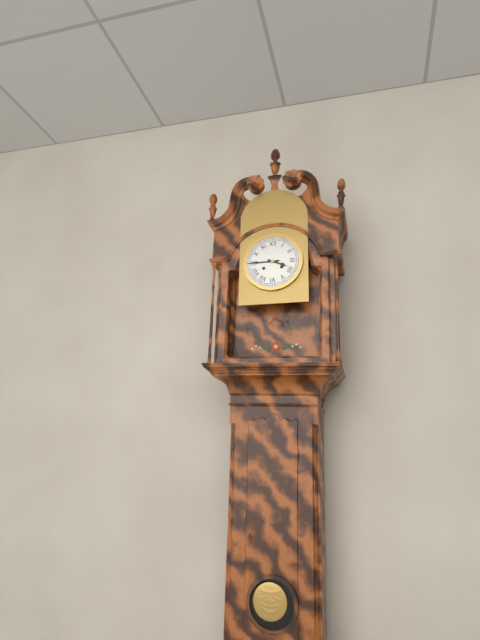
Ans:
h=3 m=45
